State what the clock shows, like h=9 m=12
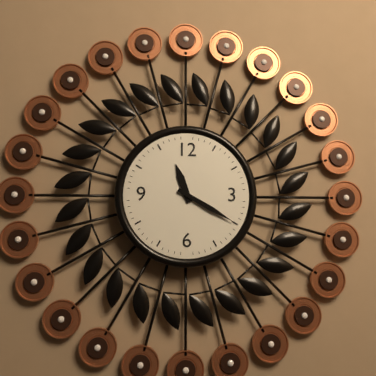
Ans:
h=11 m=20
